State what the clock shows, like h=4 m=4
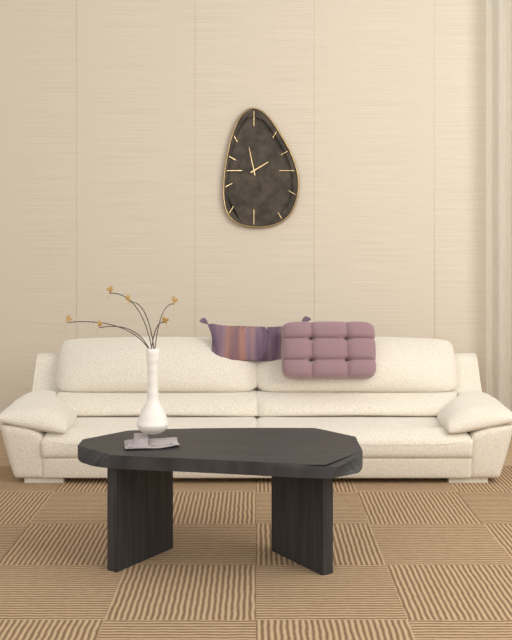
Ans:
h=1 m=58
